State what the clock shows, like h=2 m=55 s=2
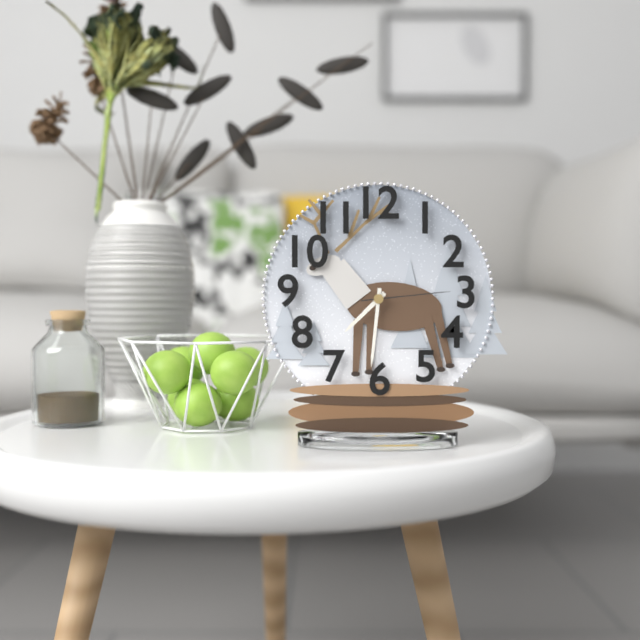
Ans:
h=7 m=31 s=14
